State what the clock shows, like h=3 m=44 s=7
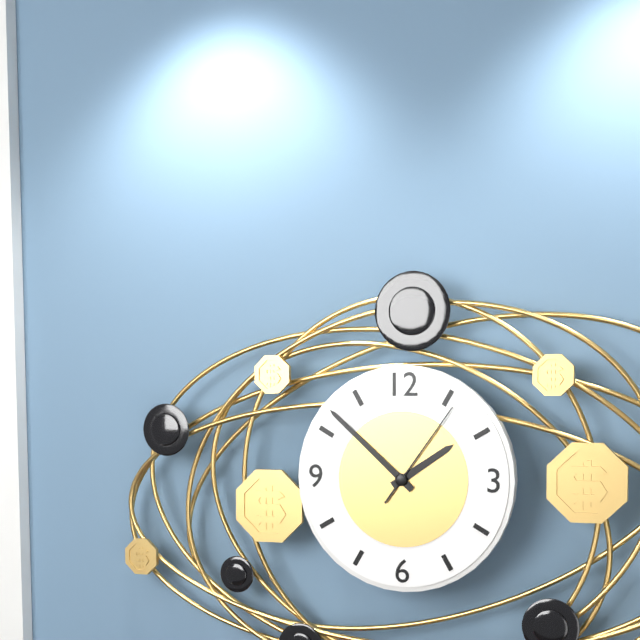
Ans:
h=1 m=52 s=6
